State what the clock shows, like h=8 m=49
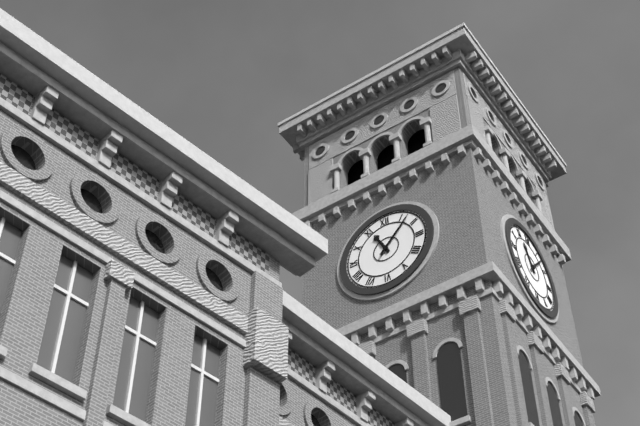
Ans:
h=11 m=7
